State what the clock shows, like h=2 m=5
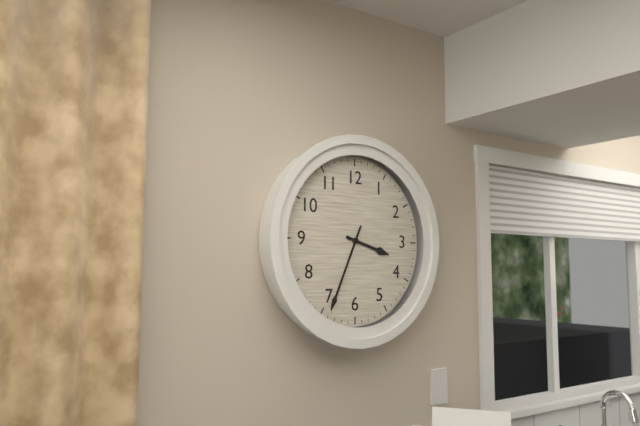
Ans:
h=3 m=34
